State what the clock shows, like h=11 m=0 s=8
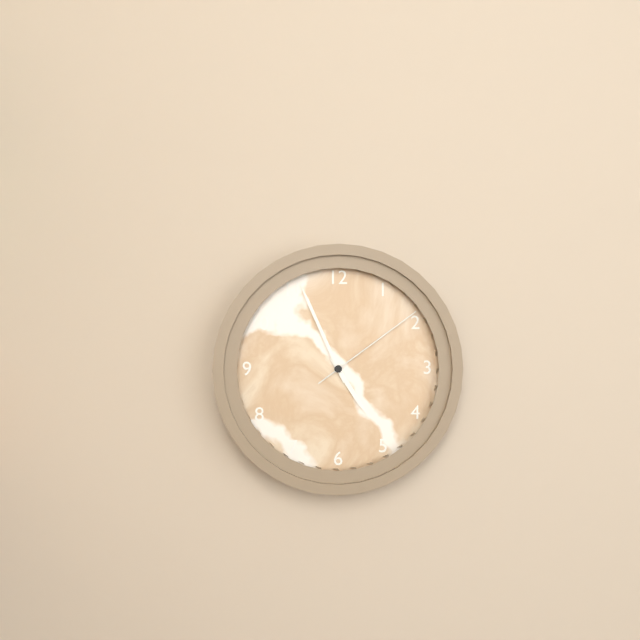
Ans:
h=4 m=56 s=9
